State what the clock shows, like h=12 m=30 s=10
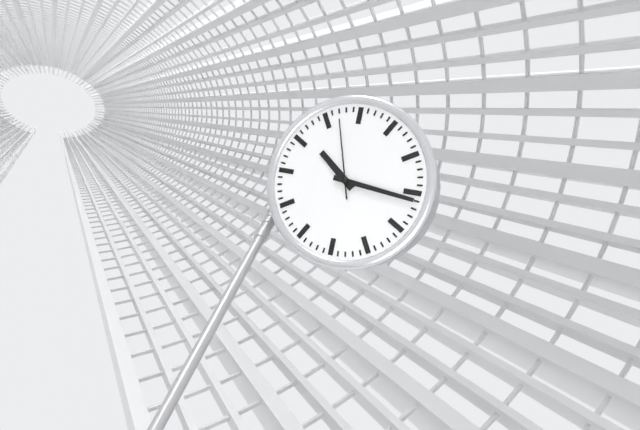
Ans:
h=10 m=16 s=57
